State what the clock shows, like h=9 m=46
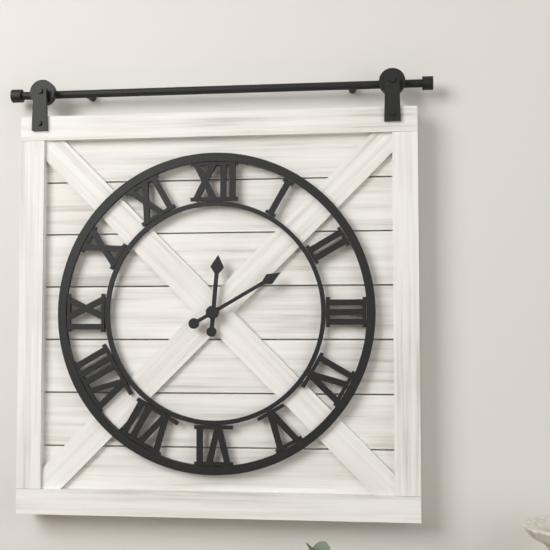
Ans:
h=12 m=10
